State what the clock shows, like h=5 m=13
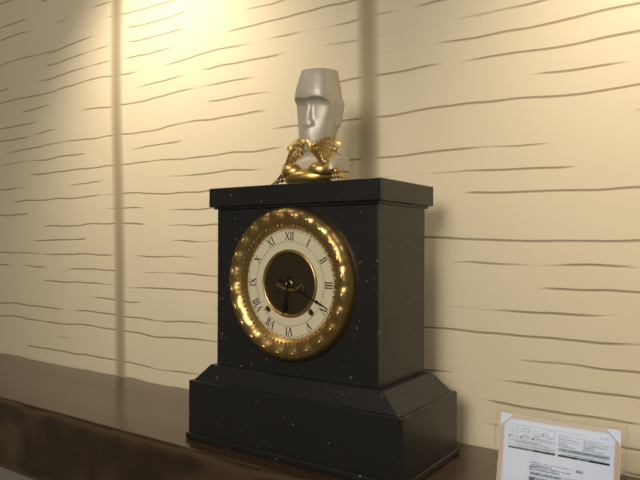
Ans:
h=6 m=19
